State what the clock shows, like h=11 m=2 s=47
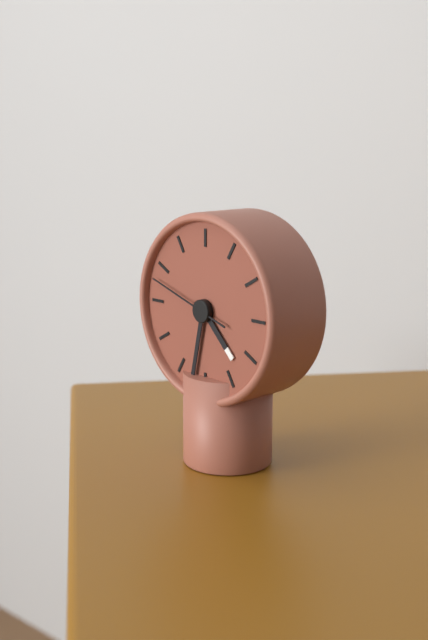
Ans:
h=4 m=32 s=48
